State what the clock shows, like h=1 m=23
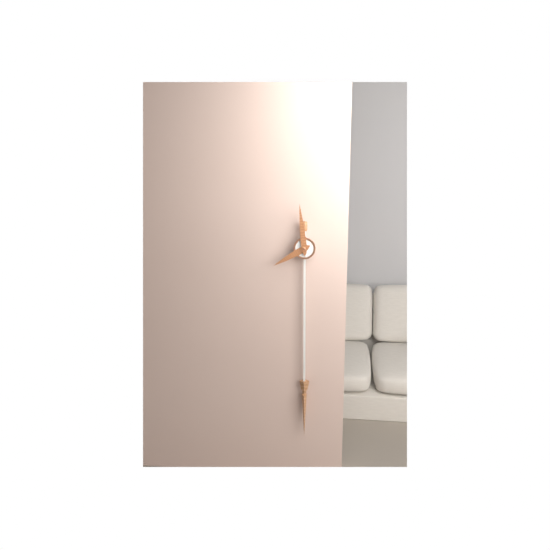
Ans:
h=7 m=59
